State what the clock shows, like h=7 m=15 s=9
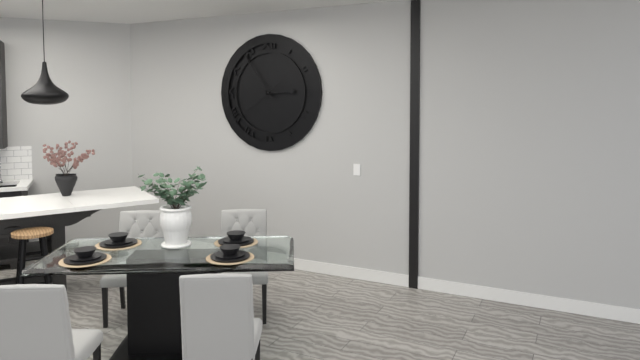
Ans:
h=2 m=54 s=39
